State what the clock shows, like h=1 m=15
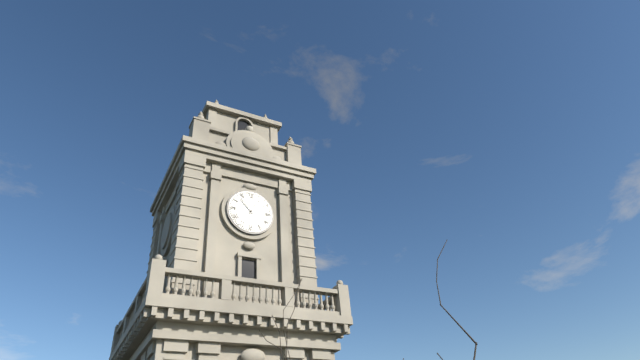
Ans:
h=12 m=53
